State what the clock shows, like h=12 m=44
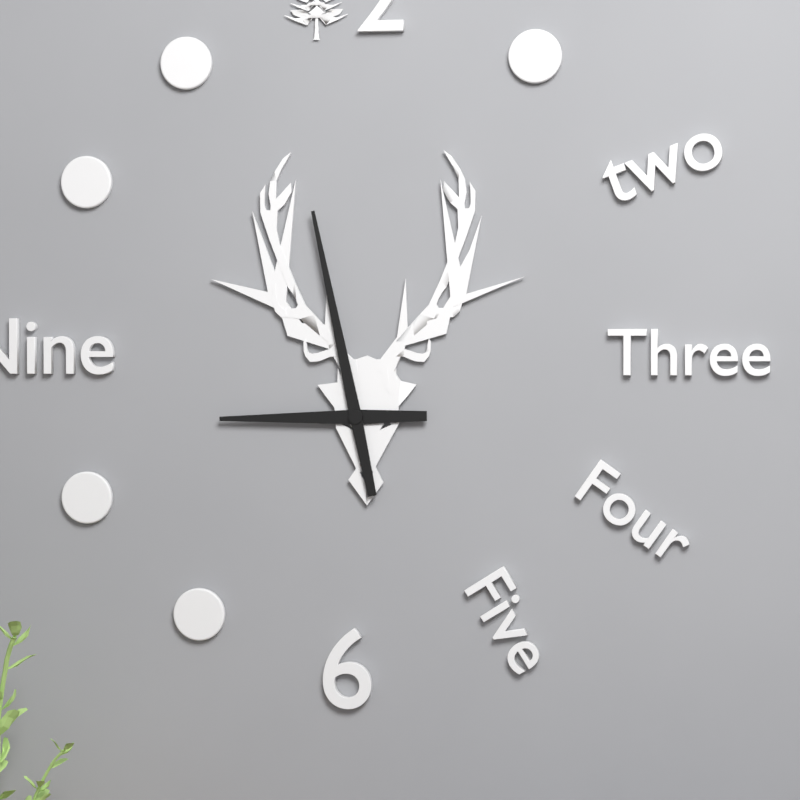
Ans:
h=8 m=58
